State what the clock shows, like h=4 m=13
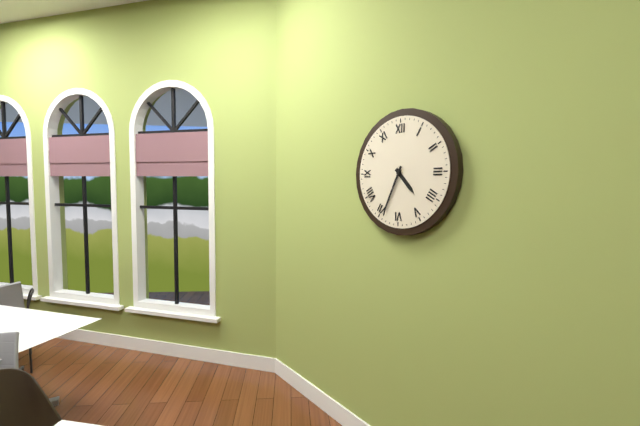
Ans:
h=4 m=34
